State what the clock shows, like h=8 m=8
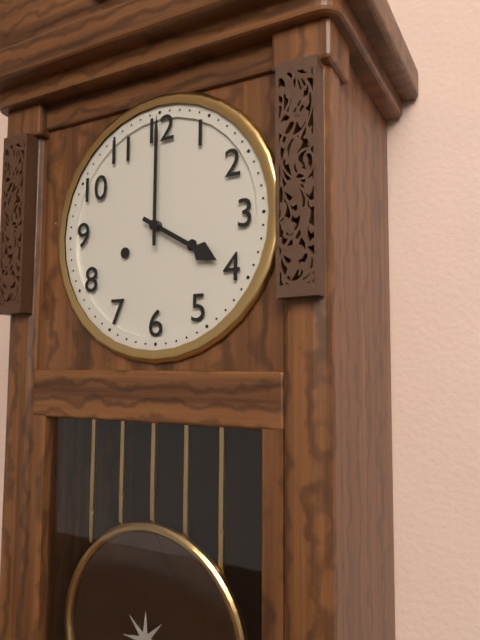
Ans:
h=4 m=0
